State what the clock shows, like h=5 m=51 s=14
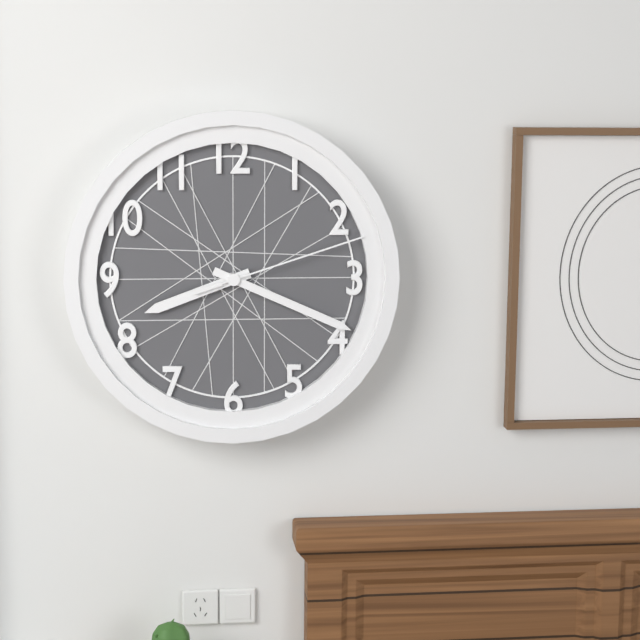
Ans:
h=8 m=19 s=12
